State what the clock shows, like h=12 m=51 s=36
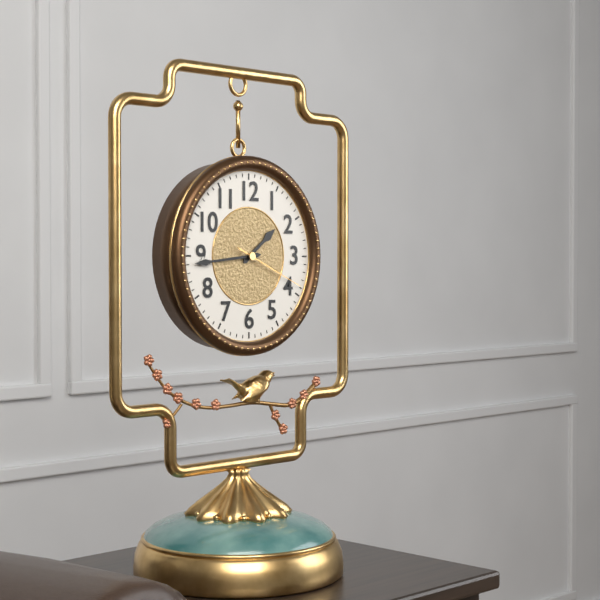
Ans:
h=1 m=44 s=19
